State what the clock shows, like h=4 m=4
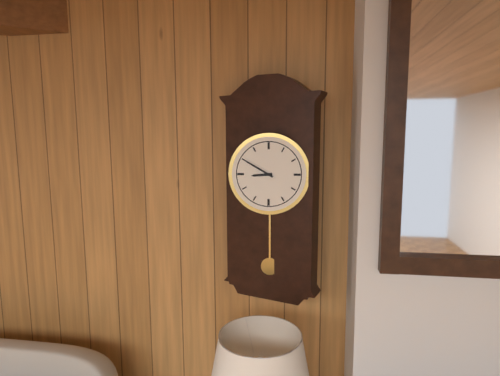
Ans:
h=8 m=50
